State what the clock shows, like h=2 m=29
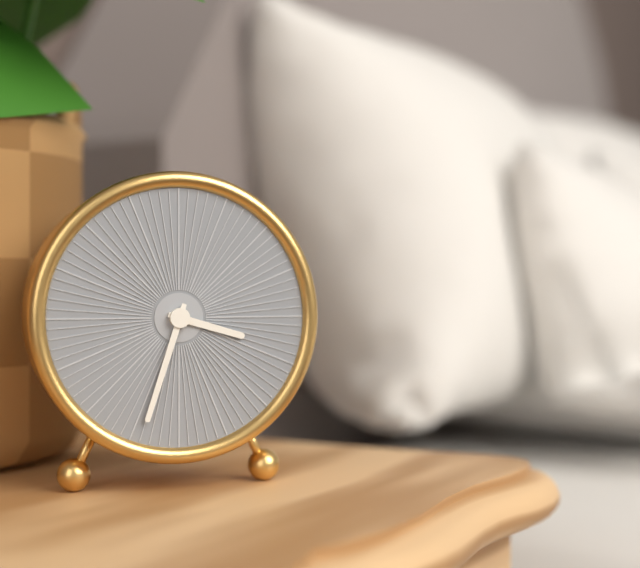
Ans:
h=3 m=33
